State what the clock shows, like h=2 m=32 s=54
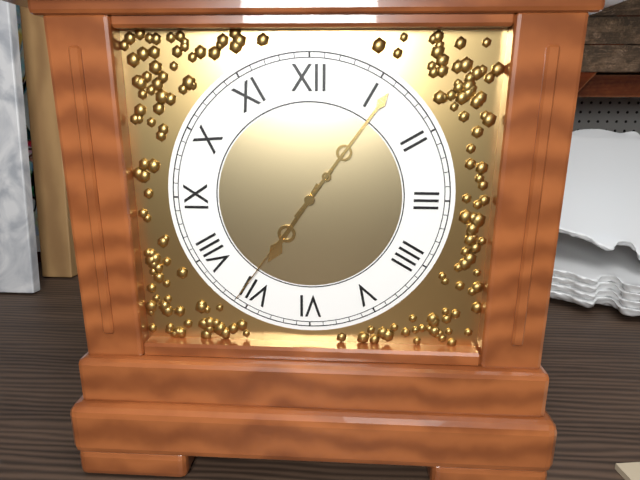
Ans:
h=7 m=6 s=36
